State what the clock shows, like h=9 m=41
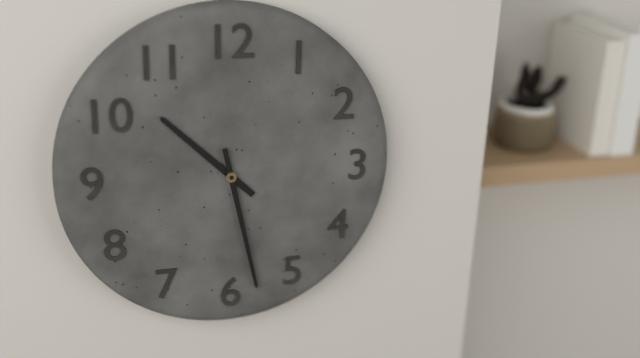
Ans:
h=10 m=28
